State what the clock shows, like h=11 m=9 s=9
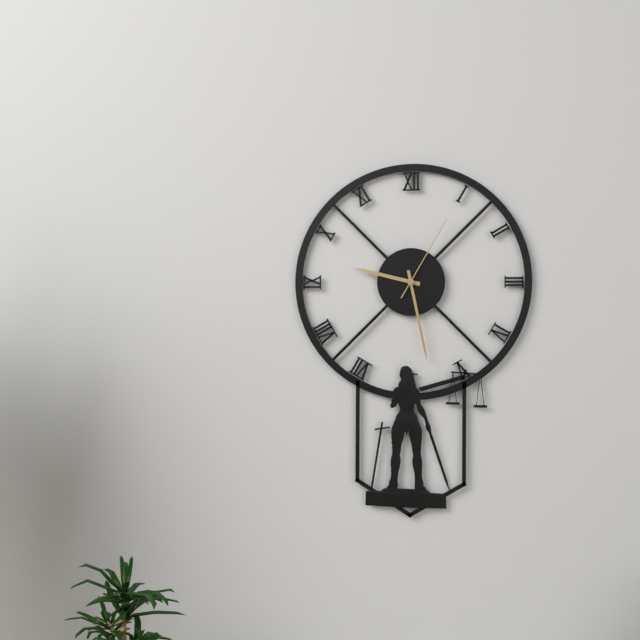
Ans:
h=9 m=28 s=5
